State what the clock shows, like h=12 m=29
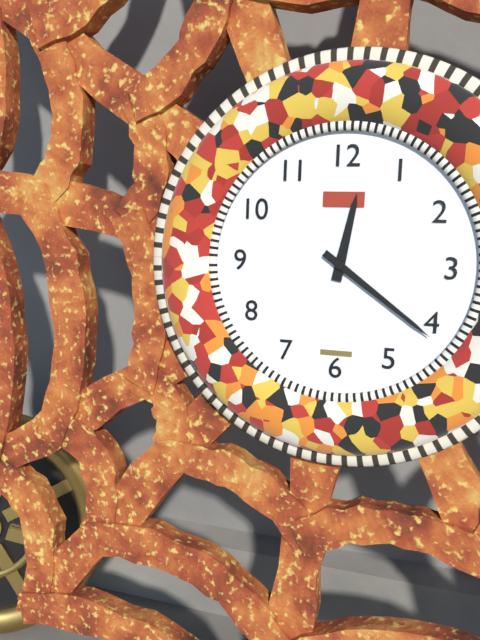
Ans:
h=12 m=21
